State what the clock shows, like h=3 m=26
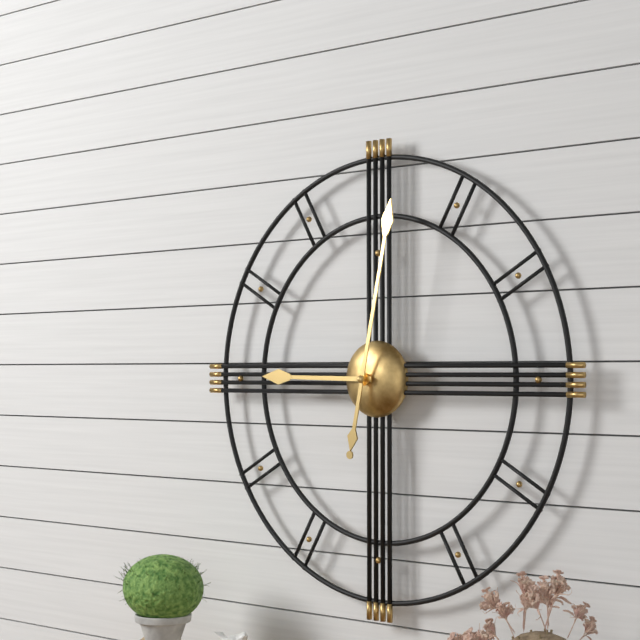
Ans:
h=9 m=2
